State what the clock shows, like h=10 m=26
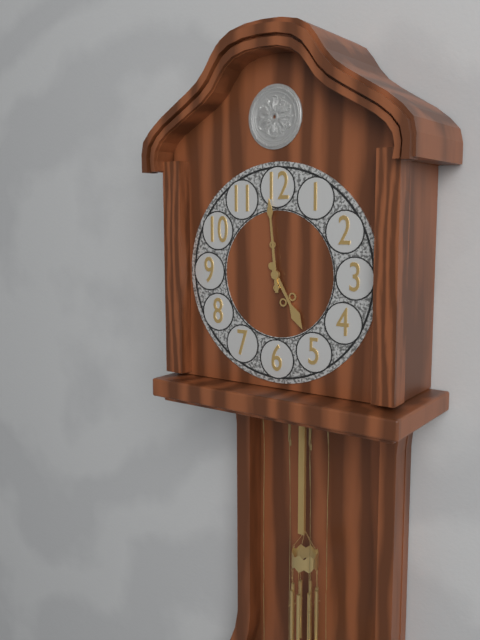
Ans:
h=4 m=59
